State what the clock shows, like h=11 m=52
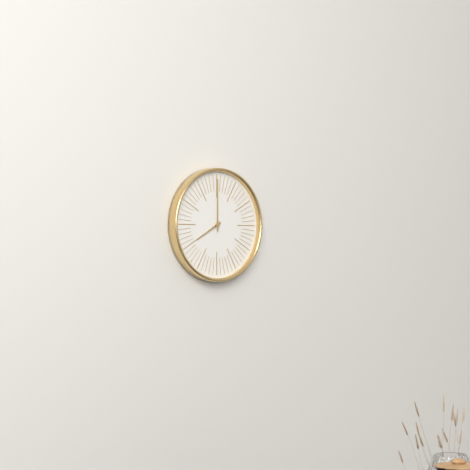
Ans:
h=8 m=0
